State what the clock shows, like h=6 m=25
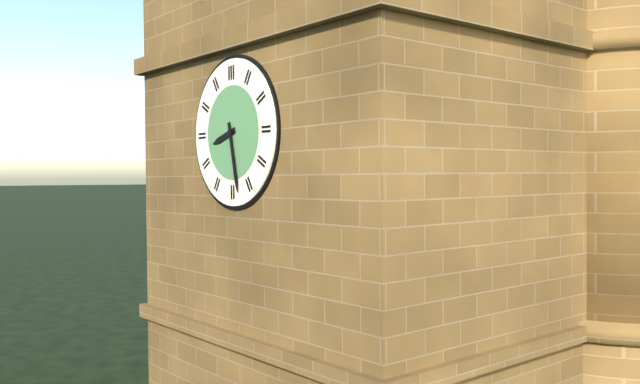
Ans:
h=8 m=28
